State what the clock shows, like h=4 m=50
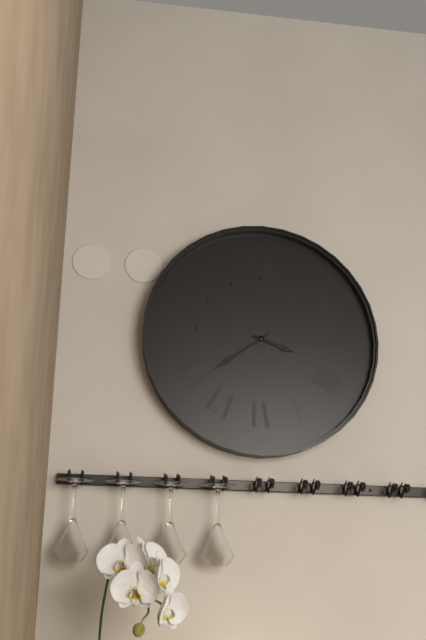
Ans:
h=3 m=39
